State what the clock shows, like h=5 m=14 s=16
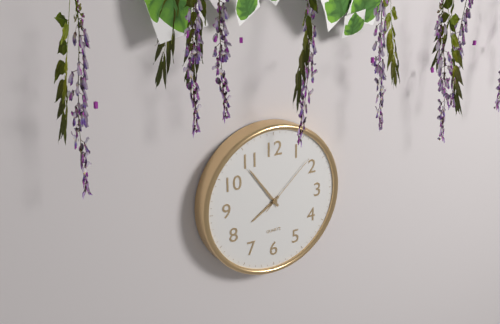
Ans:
h=7 m=54 s=8
